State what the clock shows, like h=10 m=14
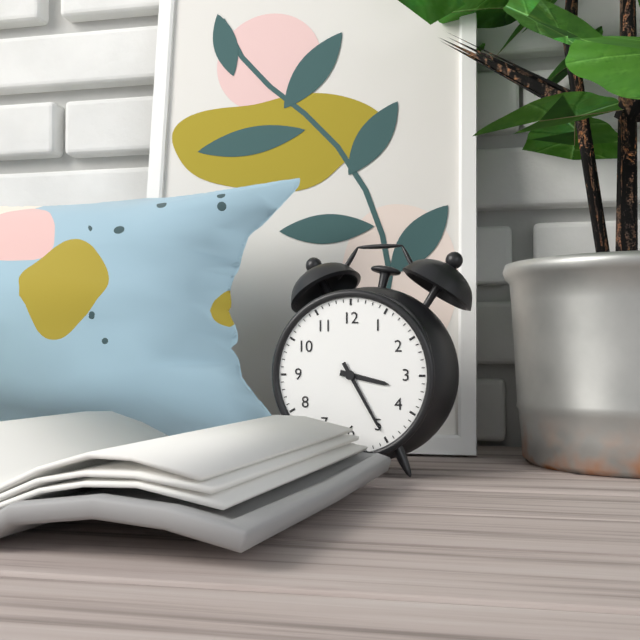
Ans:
h=3 m=25
